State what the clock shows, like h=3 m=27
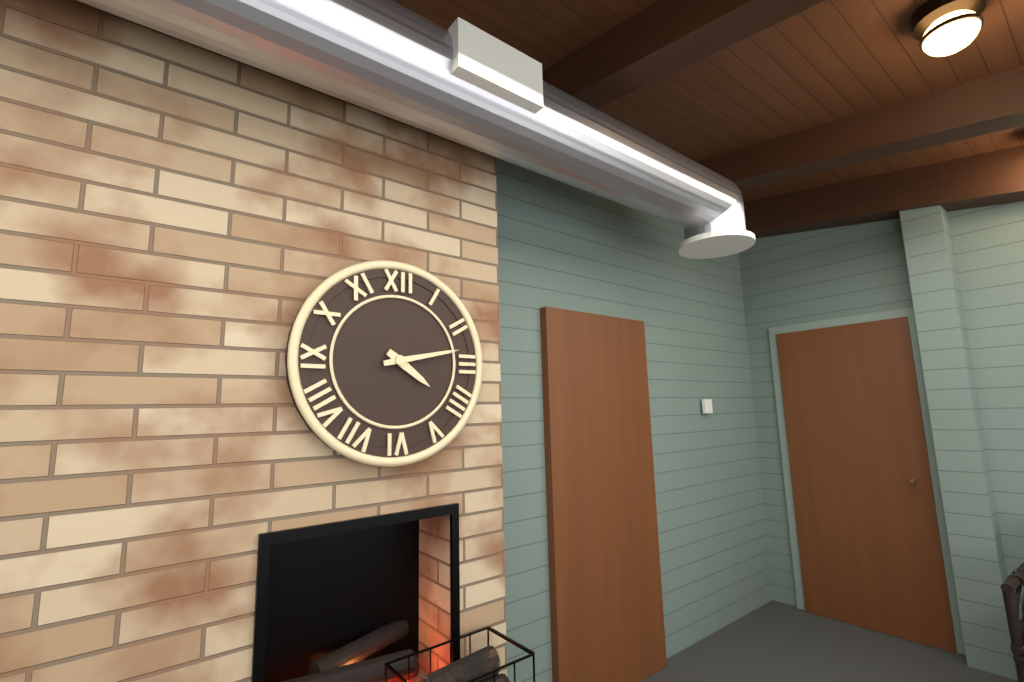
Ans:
h=4 m=13
